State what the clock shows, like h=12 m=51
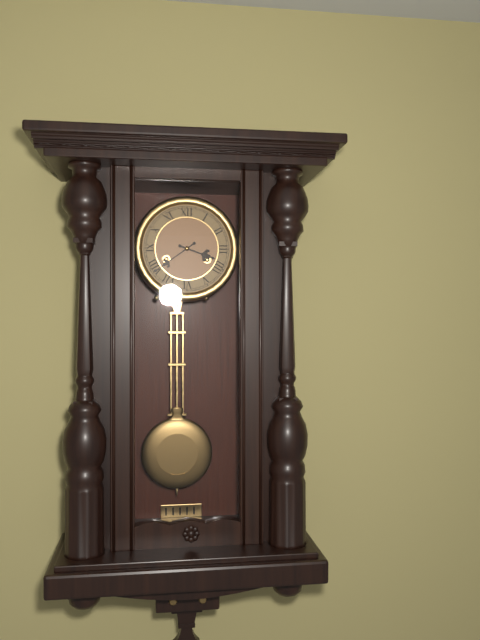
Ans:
h=3 m=39
